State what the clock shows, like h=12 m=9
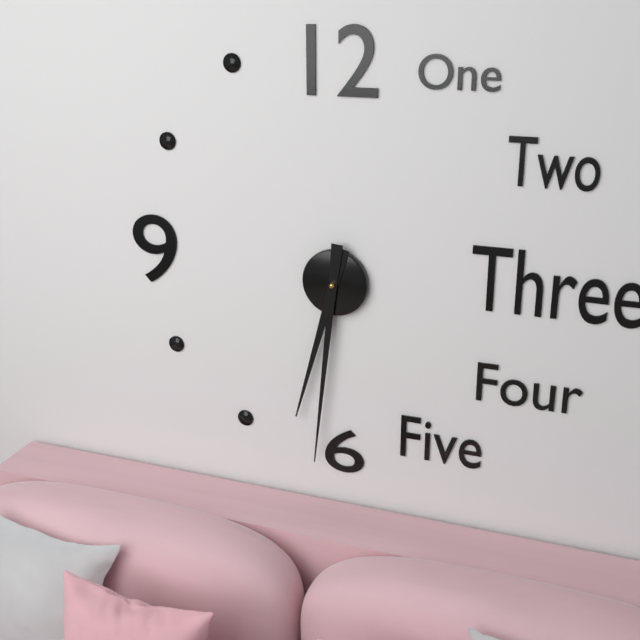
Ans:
h=6 m=31
